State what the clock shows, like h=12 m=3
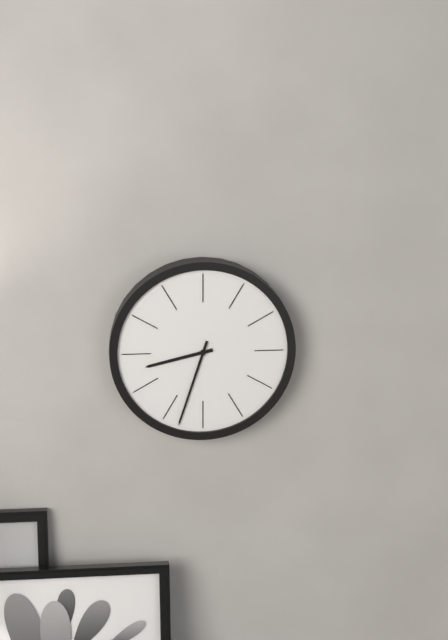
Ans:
h=8 m=33
